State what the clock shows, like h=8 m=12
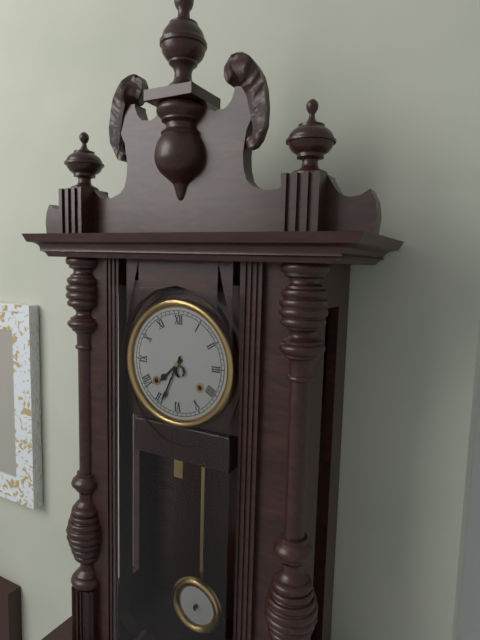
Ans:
h=7 m=34
